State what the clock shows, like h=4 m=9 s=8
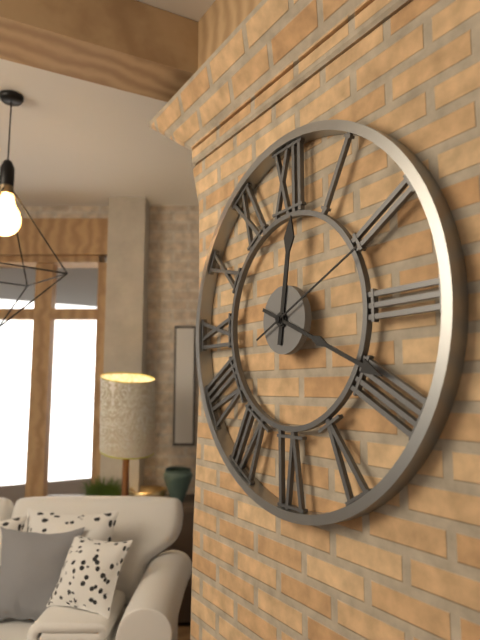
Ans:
h=12 m=19 s=11
